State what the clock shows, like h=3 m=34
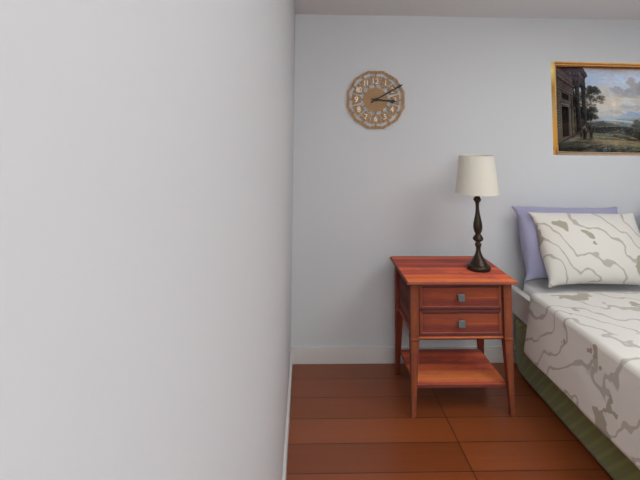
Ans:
h=3 m=10
